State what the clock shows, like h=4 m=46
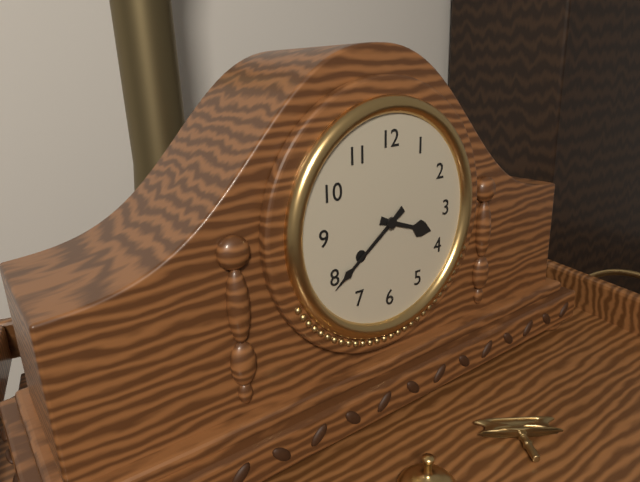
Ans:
h=3 m=39
